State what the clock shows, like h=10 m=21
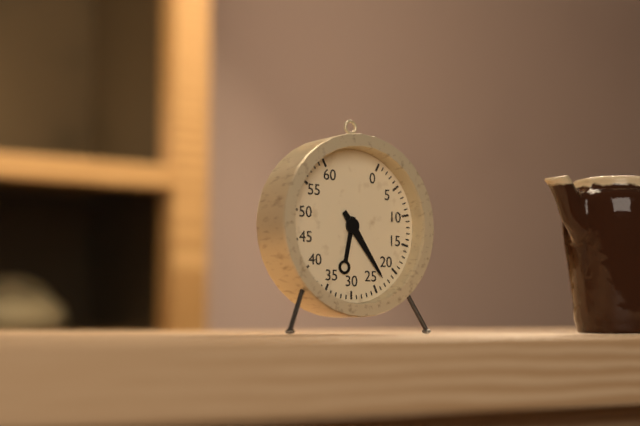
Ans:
h=6 m=24
